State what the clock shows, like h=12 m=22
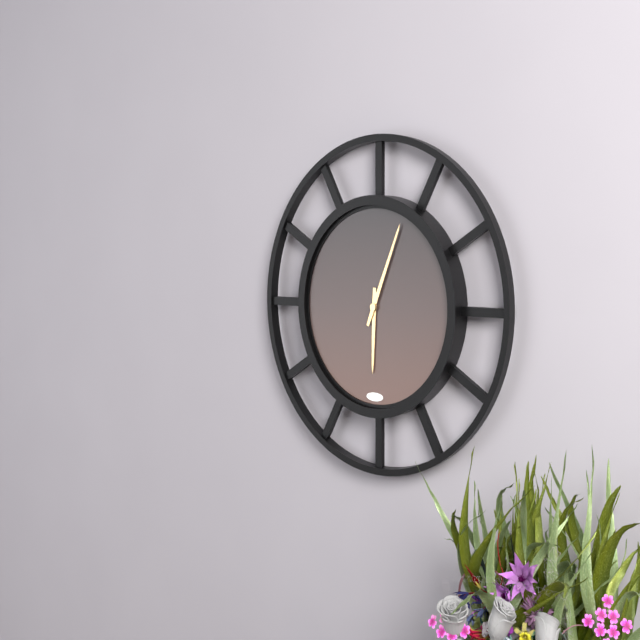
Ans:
h=6 m=4
